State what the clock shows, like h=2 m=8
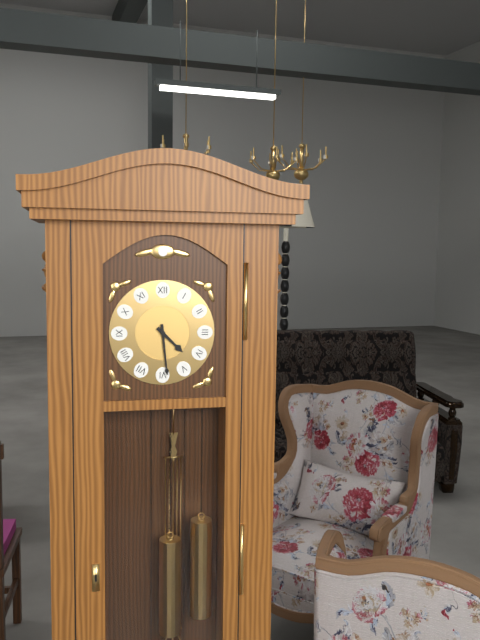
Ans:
h=4 m=29
